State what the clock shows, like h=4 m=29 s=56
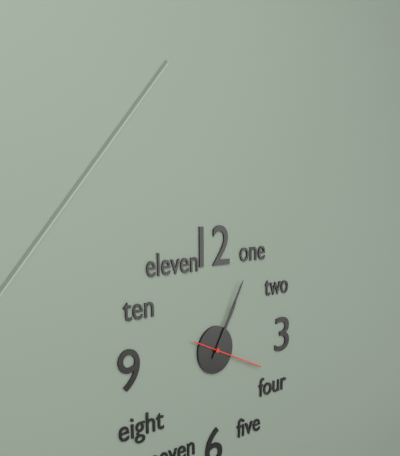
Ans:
h=1 m=5 s=19
